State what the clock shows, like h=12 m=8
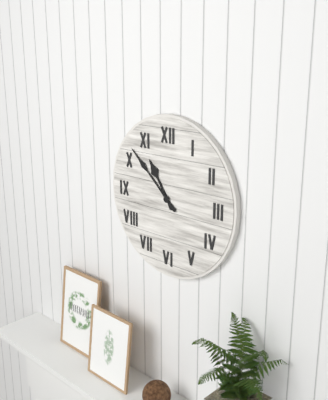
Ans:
h=10 m=52
